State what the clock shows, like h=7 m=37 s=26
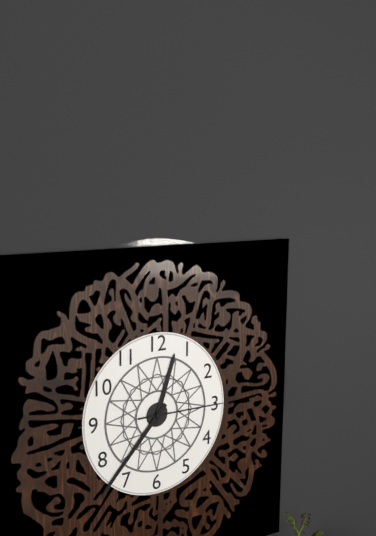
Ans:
h=12 m=37 s=15
